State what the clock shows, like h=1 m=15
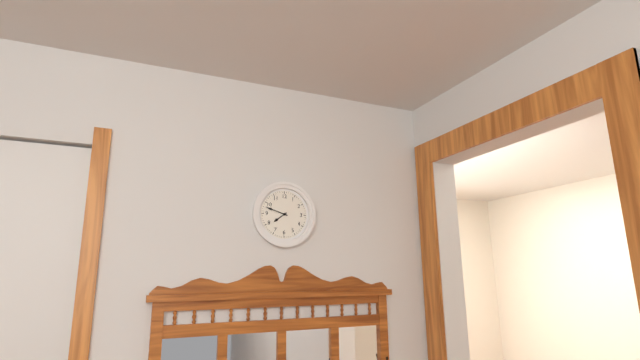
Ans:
h=7 m=48
